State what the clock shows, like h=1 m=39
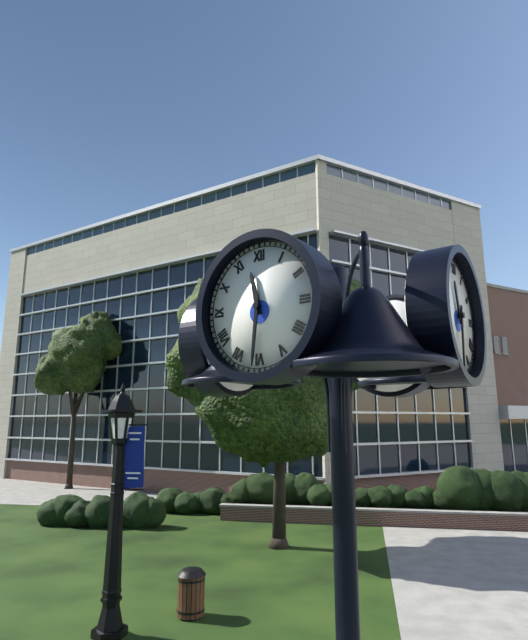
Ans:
h=11 m=31
